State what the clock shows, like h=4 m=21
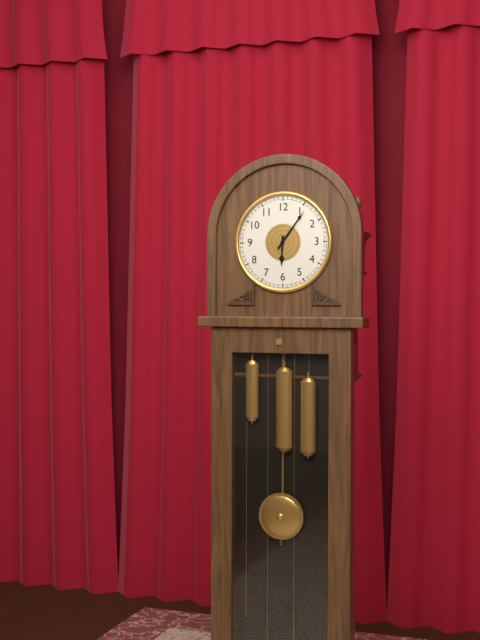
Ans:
h=6 m=6
